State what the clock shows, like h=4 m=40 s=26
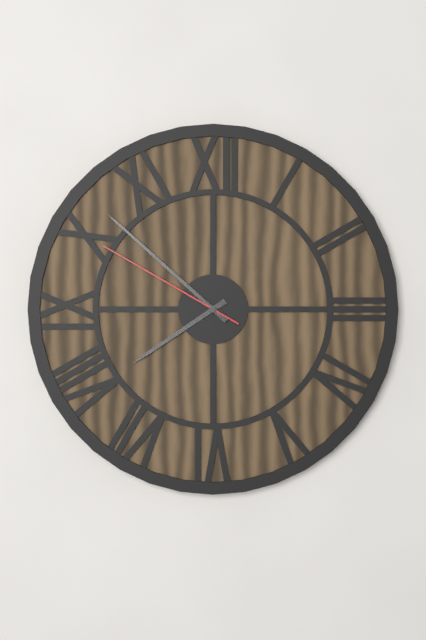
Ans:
h=7 m=52 s=50
